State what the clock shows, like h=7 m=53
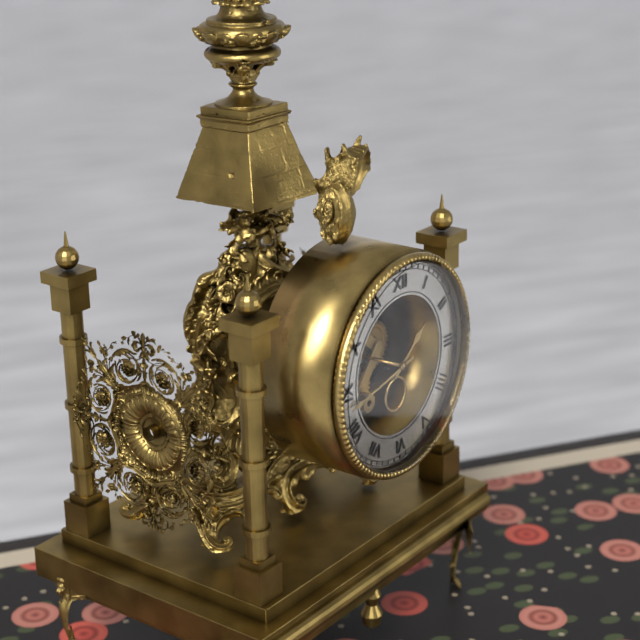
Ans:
h=1 m=43
